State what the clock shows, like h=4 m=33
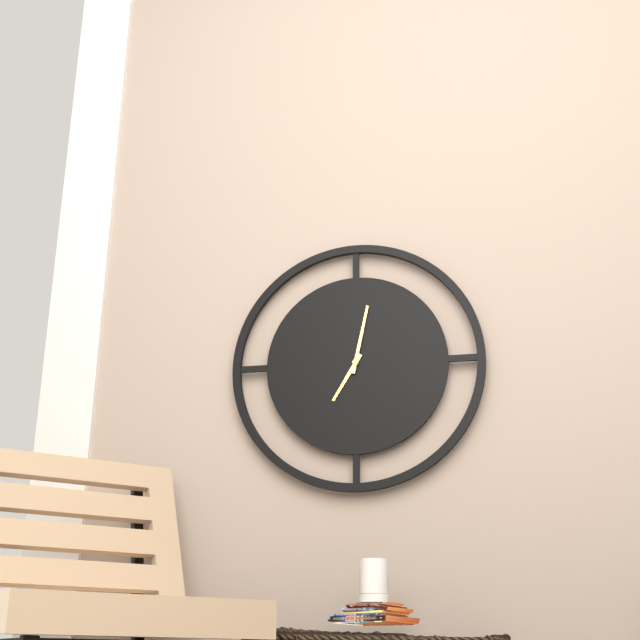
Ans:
h=7 m=2
